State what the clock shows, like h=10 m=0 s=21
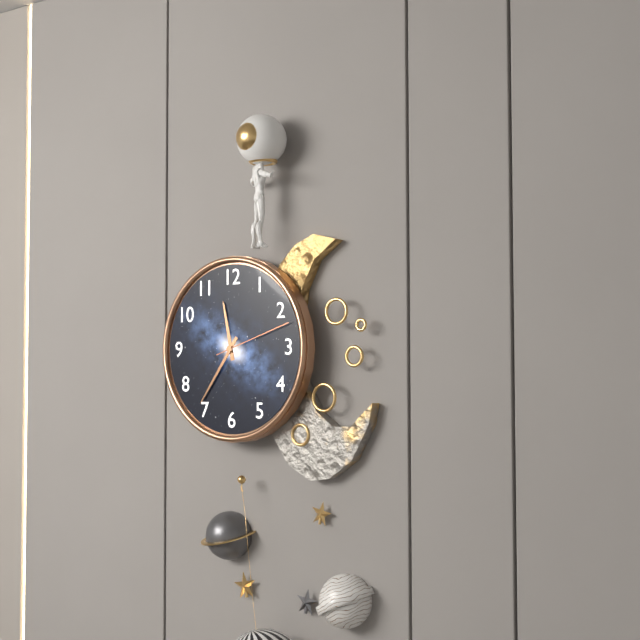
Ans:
h=11 m=36 s=12
